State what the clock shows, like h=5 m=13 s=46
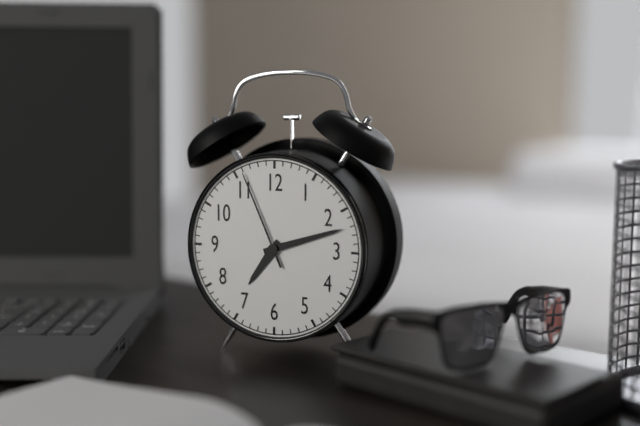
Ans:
h=7 m=12 s=56
